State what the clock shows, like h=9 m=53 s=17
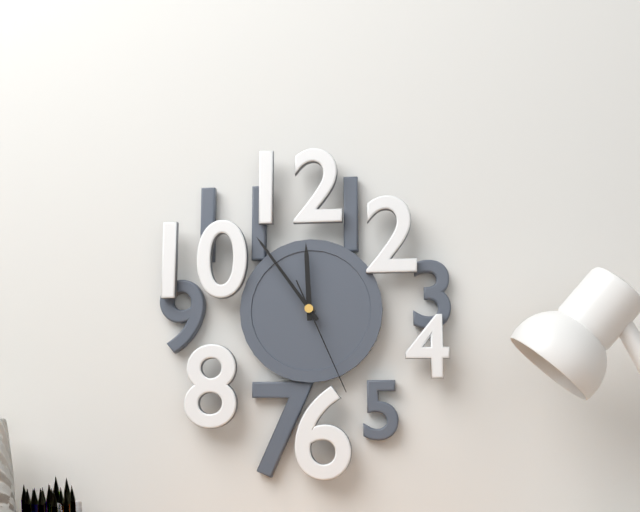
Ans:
h=11 m=54 s=26
